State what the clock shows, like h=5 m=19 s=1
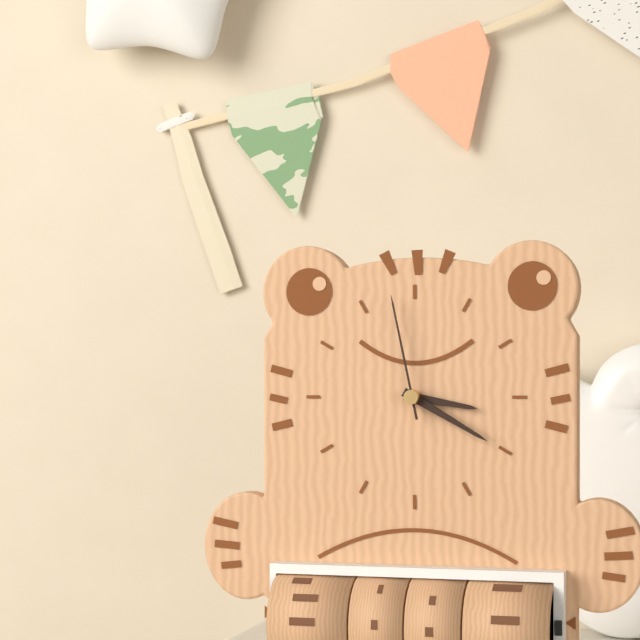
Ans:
h=3 m=20 s=58
